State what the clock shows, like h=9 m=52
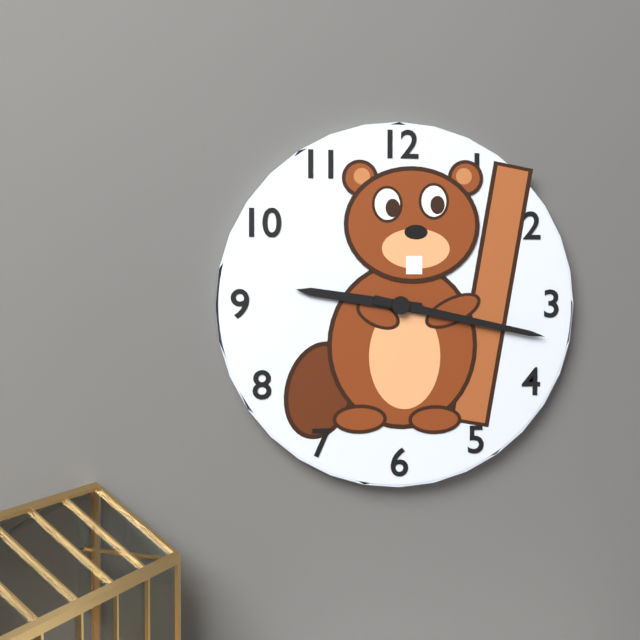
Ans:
h=9 m=17
